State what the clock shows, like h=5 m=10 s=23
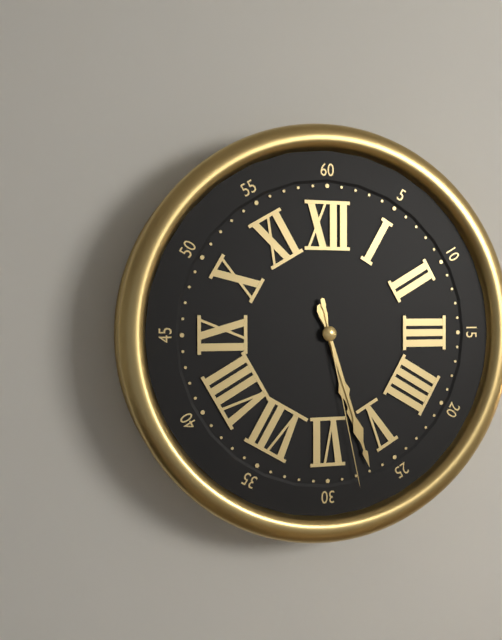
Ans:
h=5 m=27 s=28
